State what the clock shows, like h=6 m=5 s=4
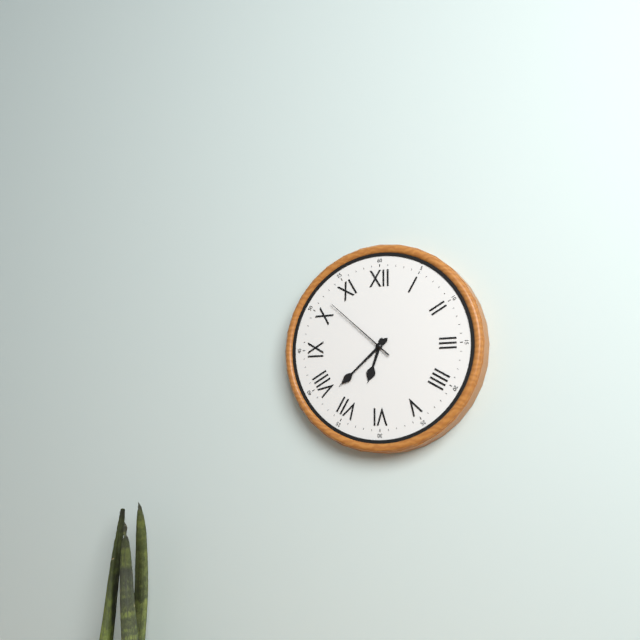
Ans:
h=6 m=38 s=52
